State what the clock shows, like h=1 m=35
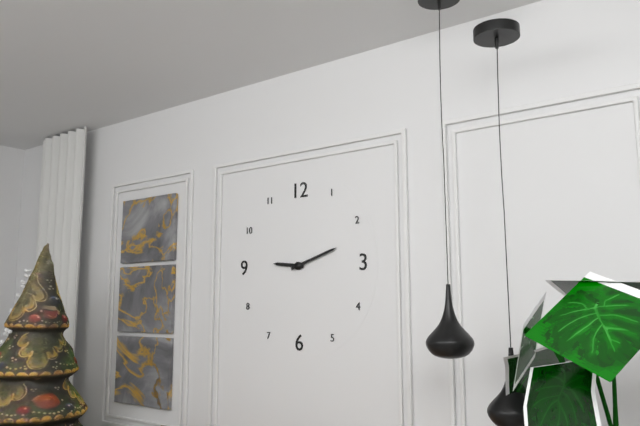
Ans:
h=9 m=12
